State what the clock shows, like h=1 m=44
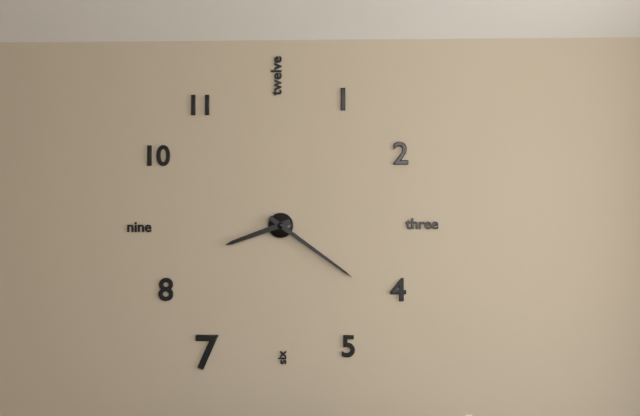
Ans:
h=8 m=21
